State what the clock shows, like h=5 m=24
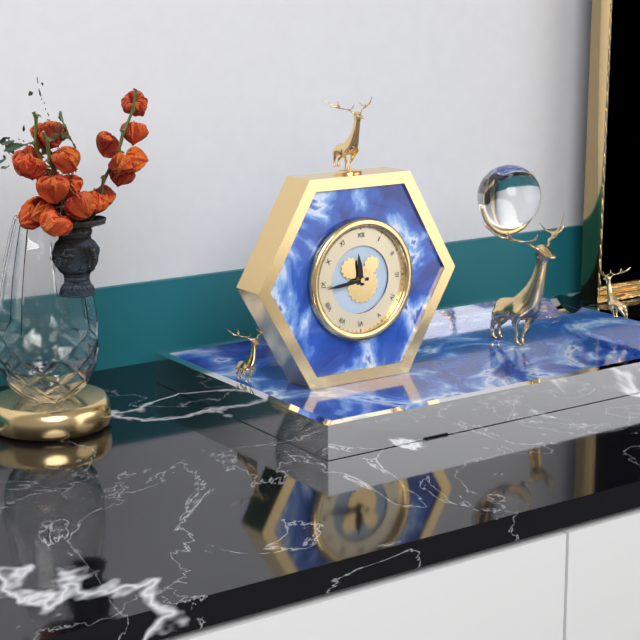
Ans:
h=11 m=44
